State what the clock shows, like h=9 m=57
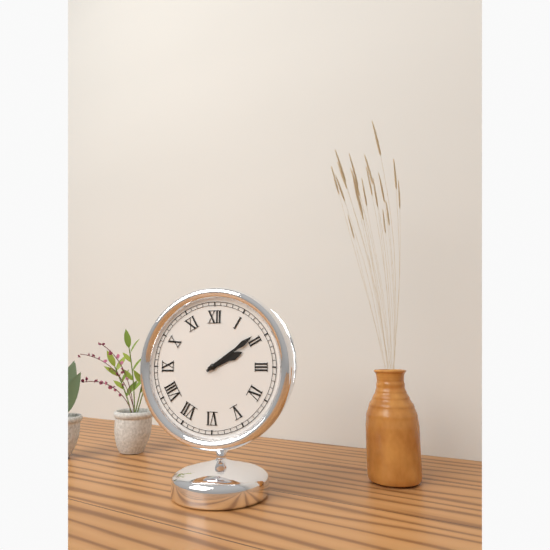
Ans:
h=2 m=9
